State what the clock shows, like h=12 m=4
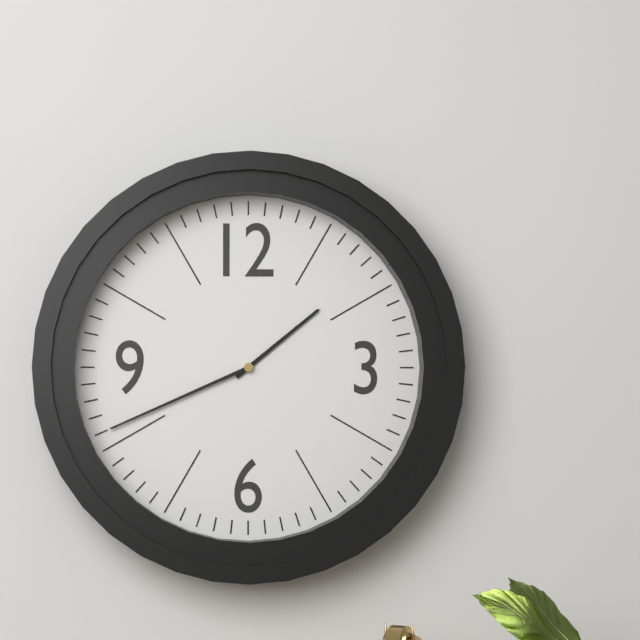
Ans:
h=1 m=41
